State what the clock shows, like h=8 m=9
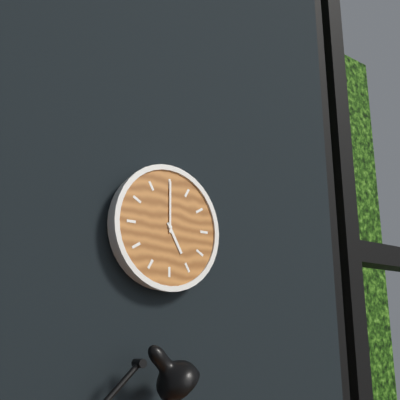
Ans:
h=5 m=0
